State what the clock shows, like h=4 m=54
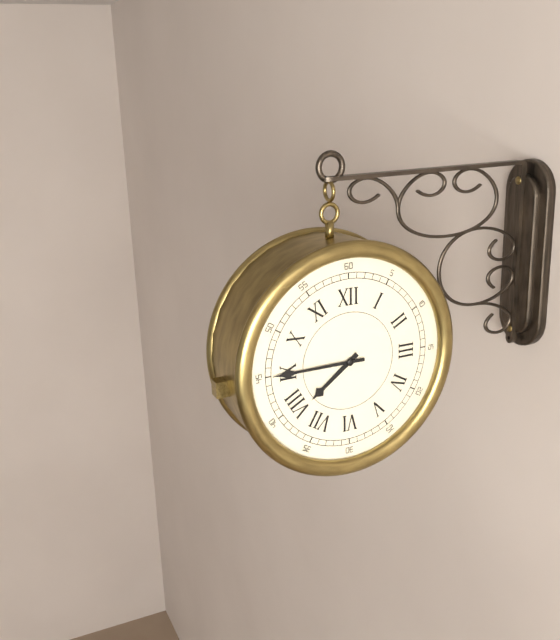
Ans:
h=7 m=45
